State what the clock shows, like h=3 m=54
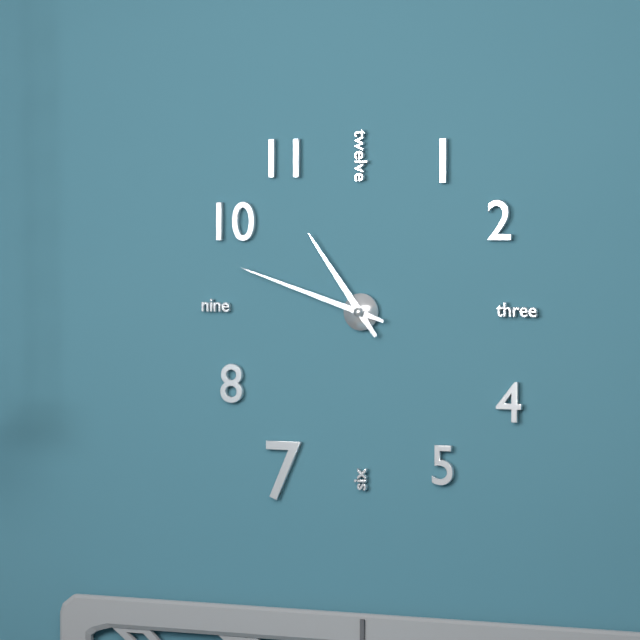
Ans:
h=10 m=48
